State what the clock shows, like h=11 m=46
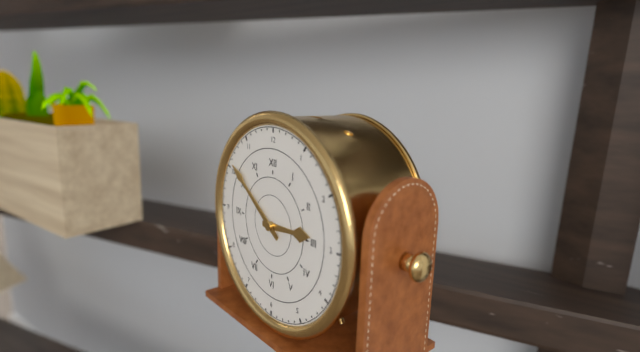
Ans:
h=2 m=51
